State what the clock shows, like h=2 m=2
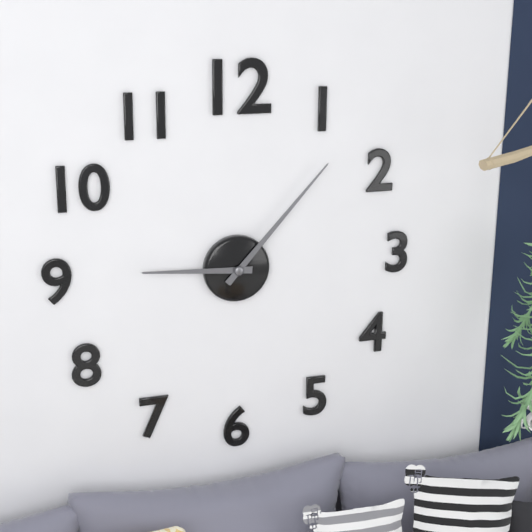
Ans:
h=9 m=7
